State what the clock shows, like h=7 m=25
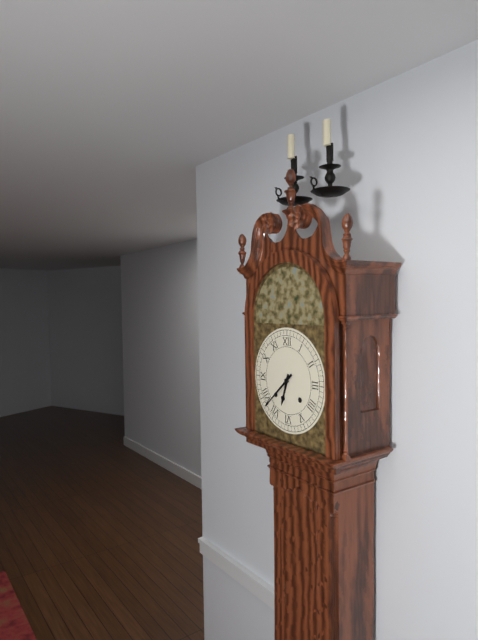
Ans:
h=6 m=38
